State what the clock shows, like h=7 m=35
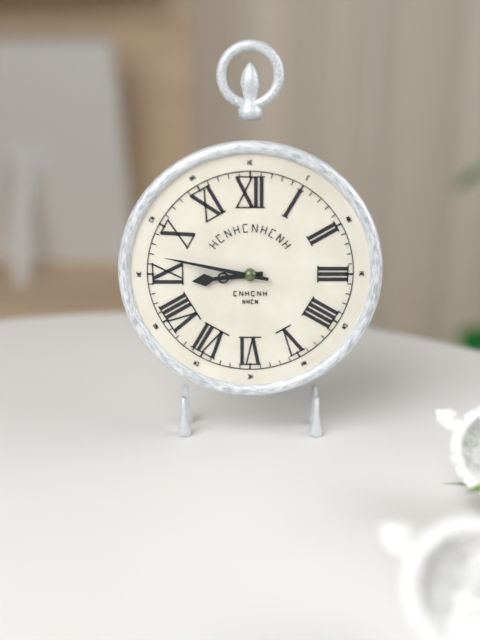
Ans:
h=8 m=47
